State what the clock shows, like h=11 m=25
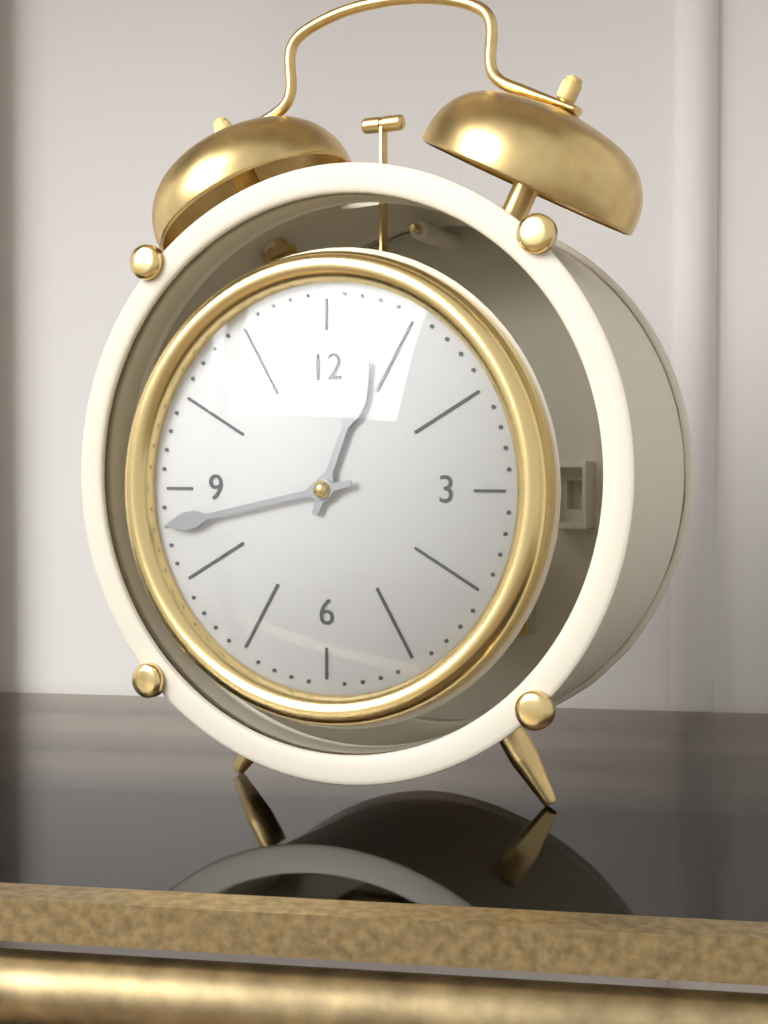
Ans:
h=12 m=43
